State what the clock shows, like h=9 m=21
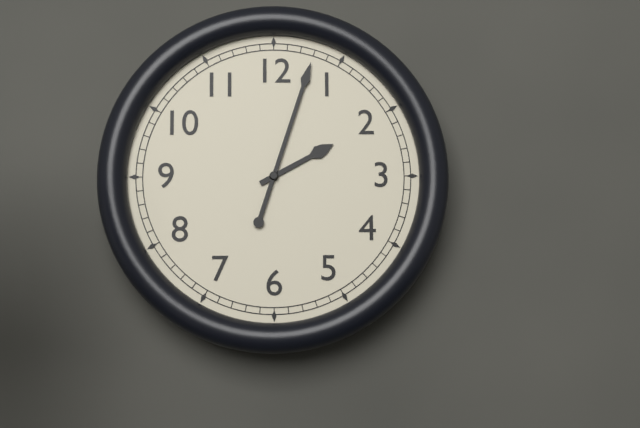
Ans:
h=2 m=3
